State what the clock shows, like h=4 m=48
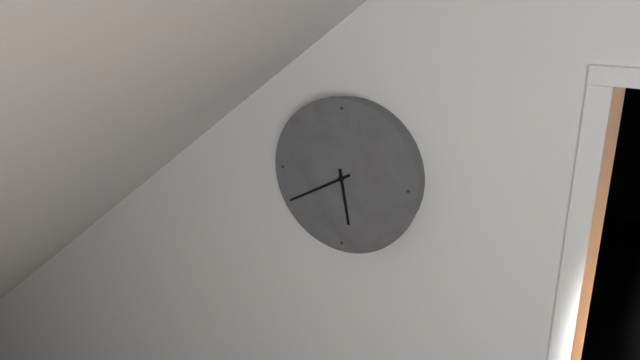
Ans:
h=5 m=40
